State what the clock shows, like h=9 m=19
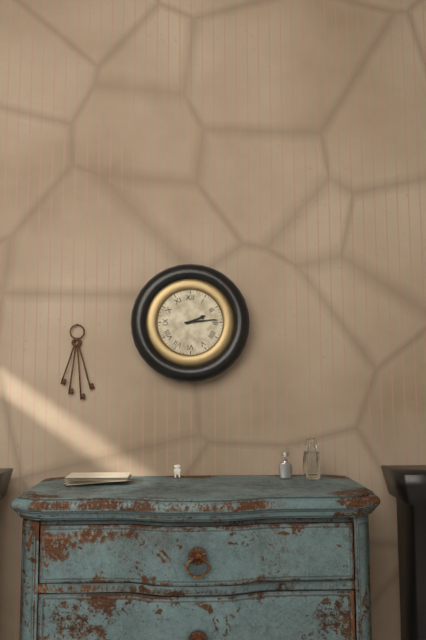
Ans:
h=2 m=14
